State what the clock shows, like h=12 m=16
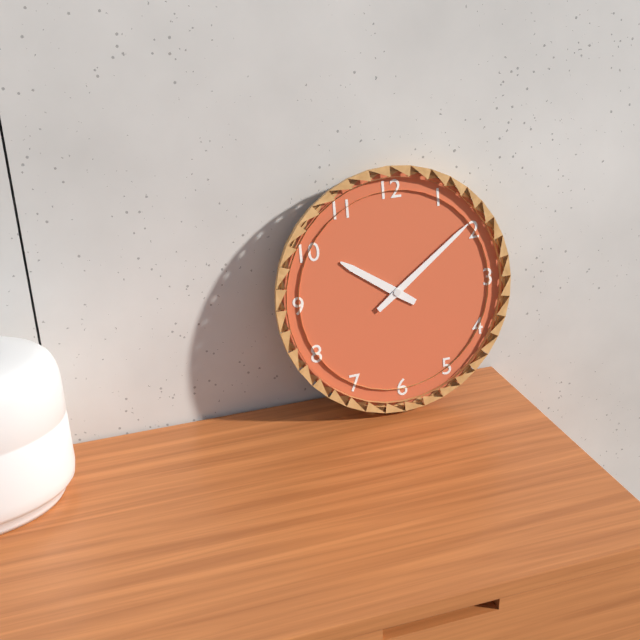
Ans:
h=10 m=9
